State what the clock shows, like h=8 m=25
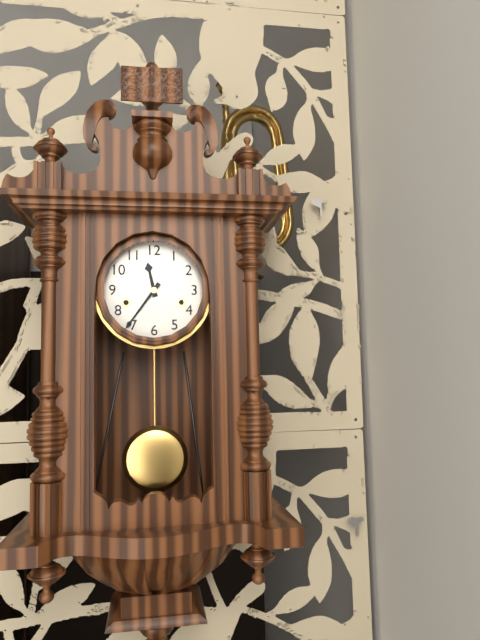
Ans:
h=11 m=36
